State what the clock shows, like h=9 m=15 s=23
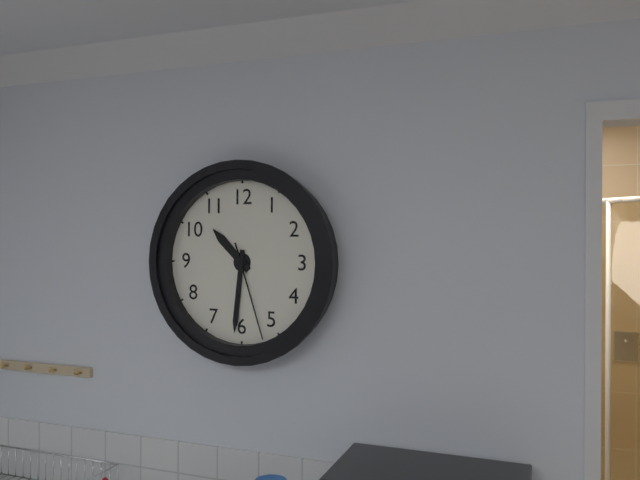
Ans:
h=10 m=31 s=27
